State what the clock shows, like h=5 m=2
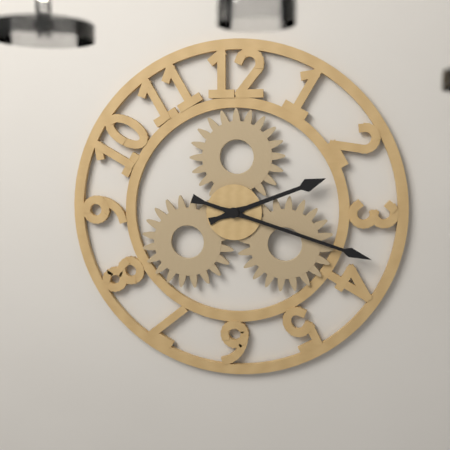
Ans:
h=2 m=18
